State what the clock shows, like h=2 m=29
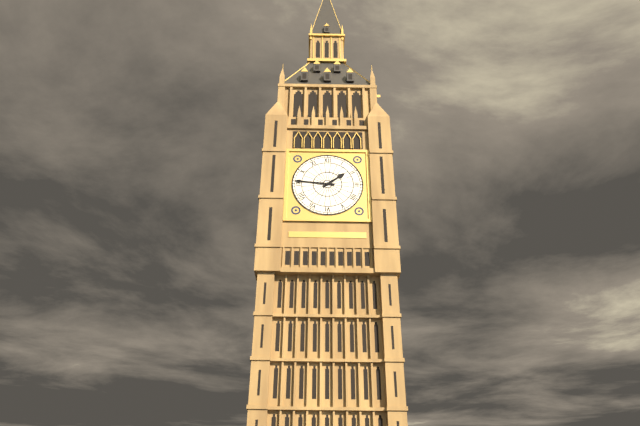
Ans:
h=1 m=46
